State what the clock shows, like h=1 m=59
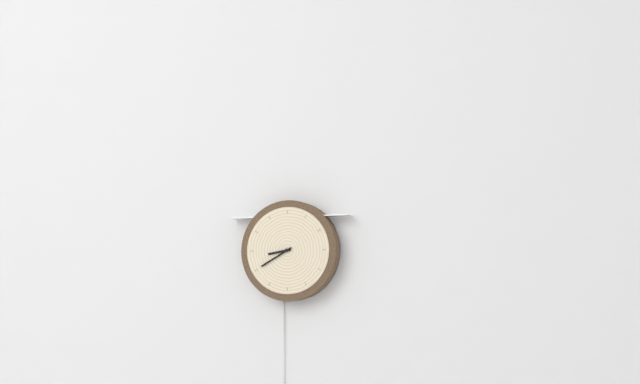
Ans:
h=8 m=40
